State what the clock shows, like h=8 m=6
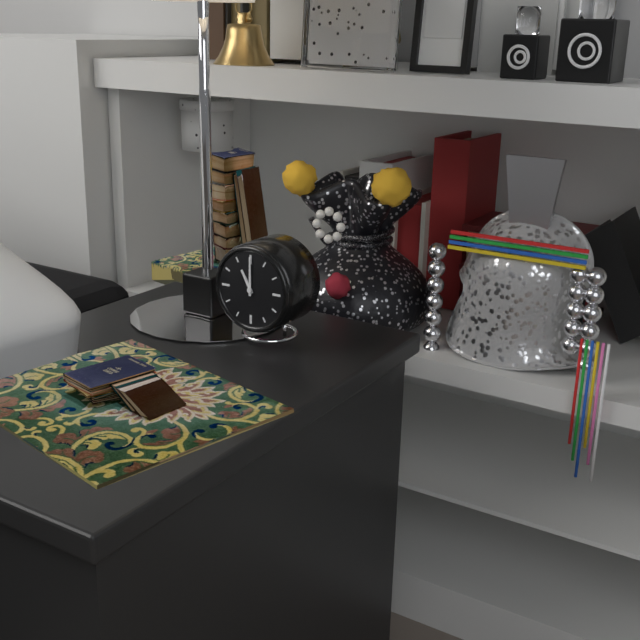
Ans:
h=11 m=0
